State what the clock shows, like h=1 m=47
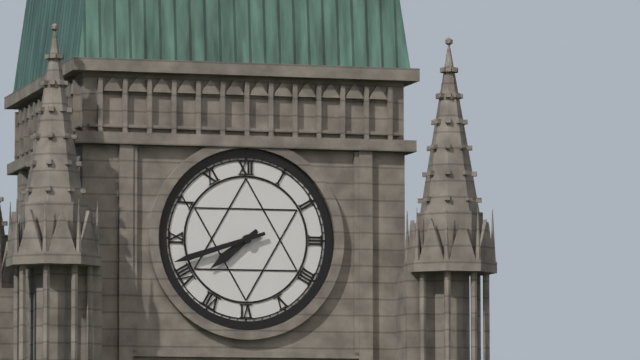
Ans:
h=7 m=42
